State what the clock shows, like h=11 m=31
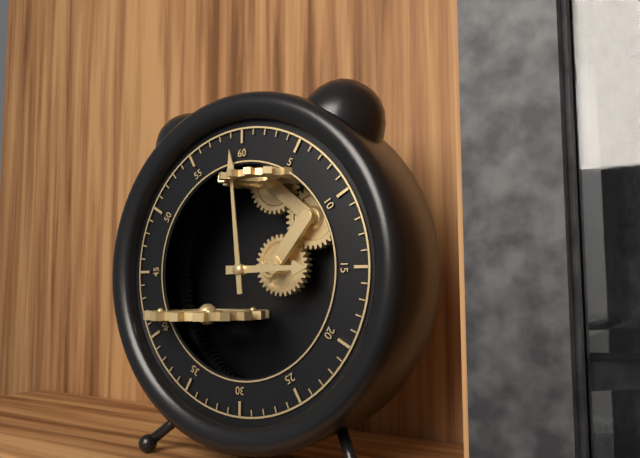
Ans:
h=2 m=59
